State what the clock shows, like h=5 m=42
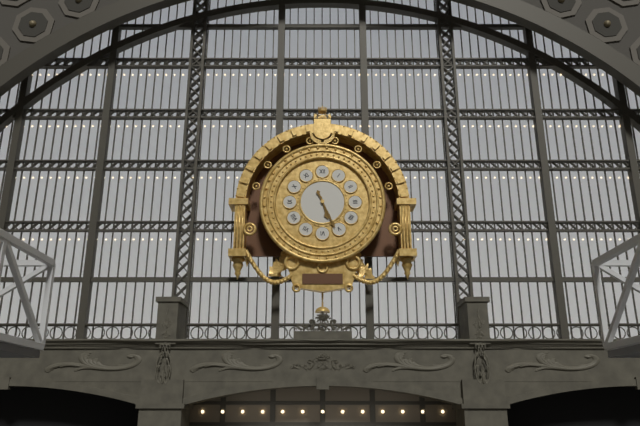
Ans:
h=5 m=26
